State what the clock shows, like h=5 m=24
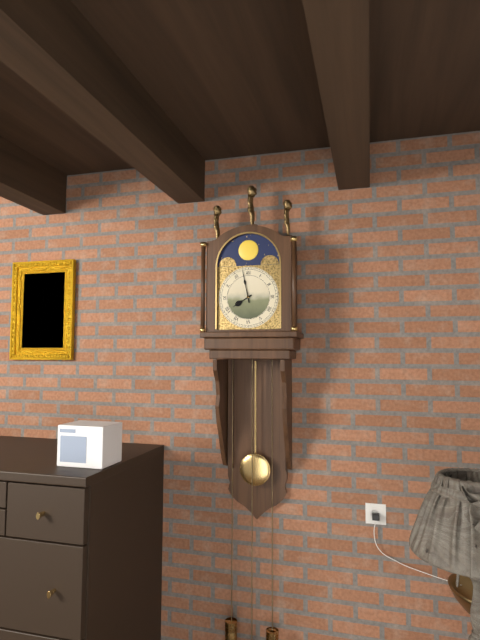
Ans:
h=7 m=58
